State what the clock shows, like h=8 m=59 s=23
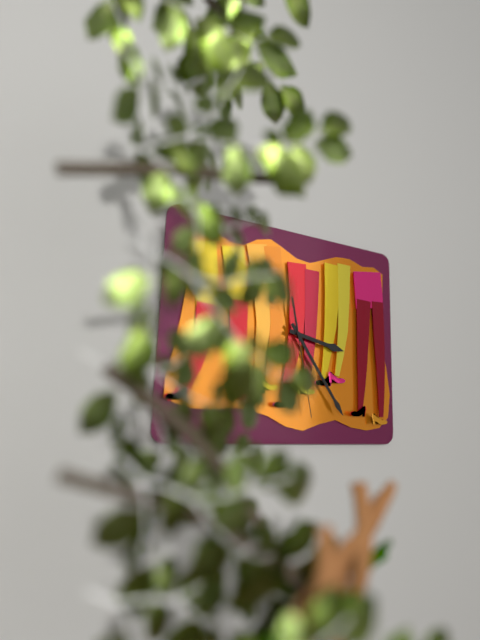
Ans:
h=3 m=24 s=28
